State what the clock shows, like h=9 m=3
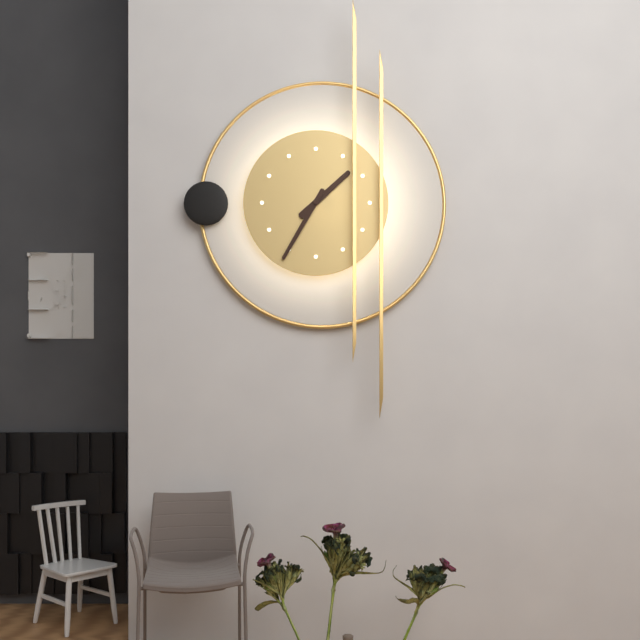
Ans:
h=1 m=35
